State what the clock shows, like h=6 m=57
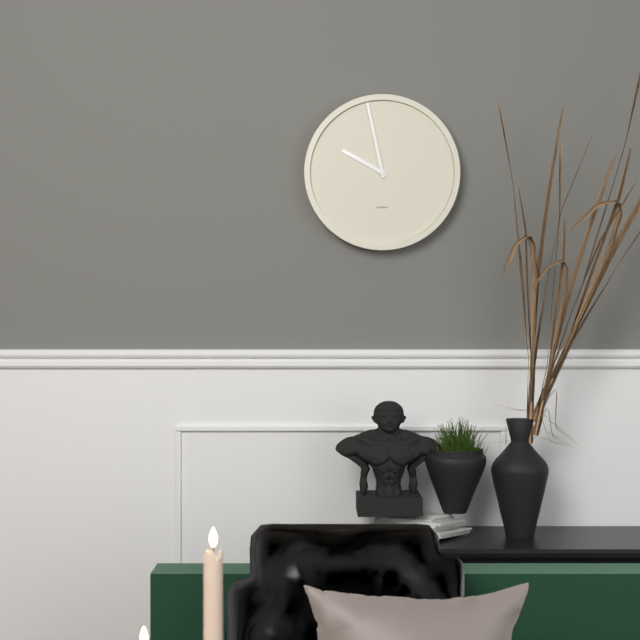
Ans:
h=9 m=58
